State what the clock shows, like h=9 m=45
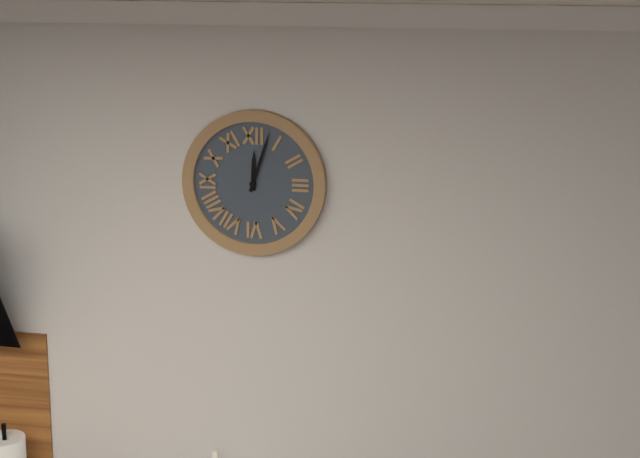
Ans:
h=12 m=3
